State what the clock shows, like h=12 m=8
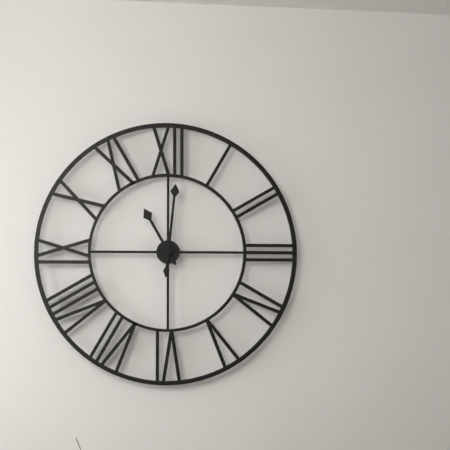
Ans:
h=11 m=1
